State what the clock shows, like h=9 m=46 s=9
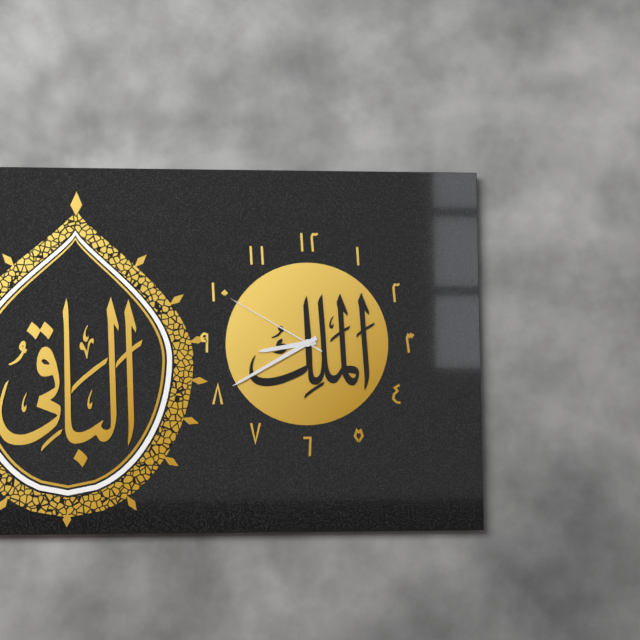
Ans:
h=8 m=40 s=50
